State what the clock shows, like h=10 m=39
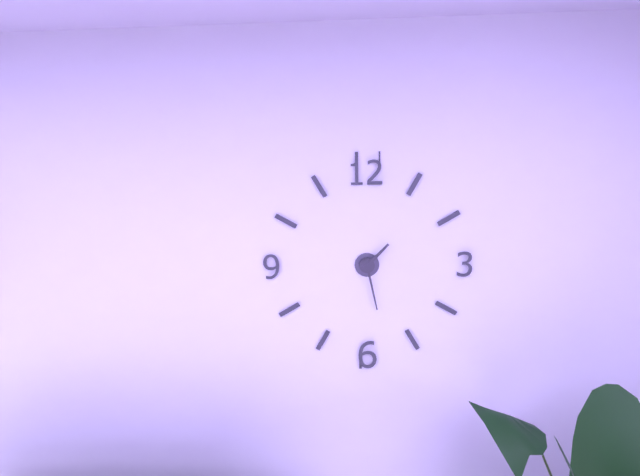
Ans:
h=1 m=28
